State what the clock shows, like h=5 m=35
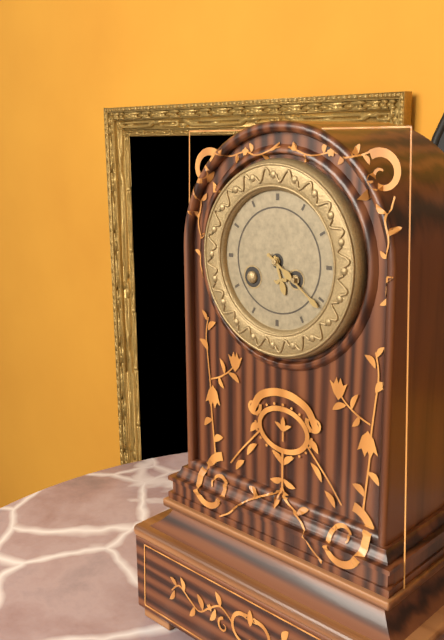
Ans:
h=5 m=21
